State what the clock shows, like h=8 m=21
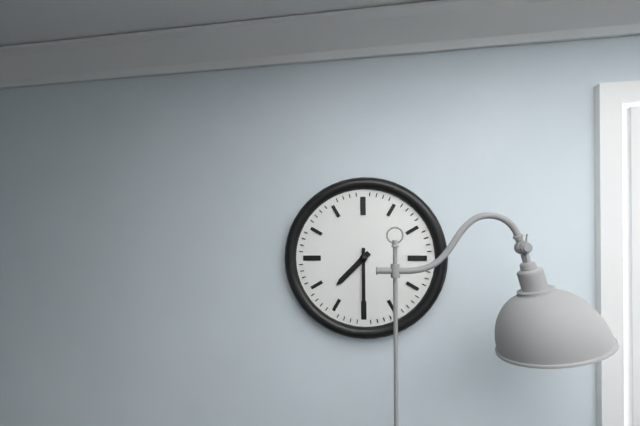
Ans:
h=7 m=30
